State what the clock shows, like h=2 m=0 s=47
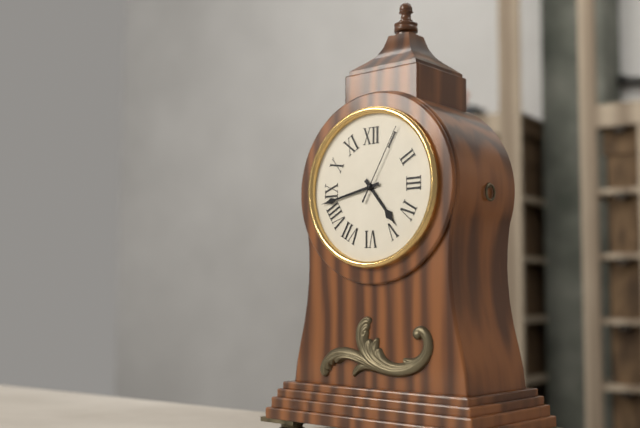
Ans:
h=4 m=43 s=5
